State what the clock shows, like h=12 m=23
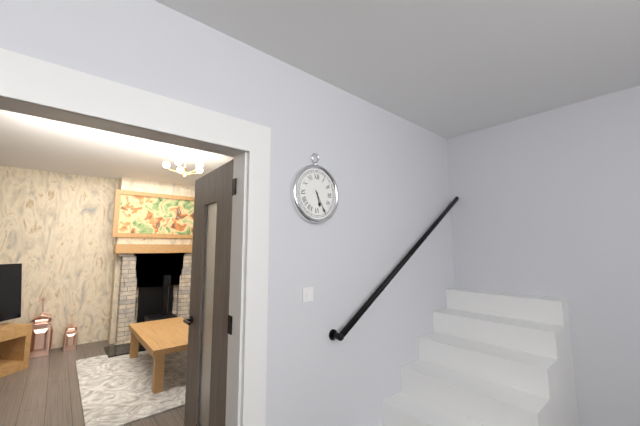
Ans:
h=5 m=25
